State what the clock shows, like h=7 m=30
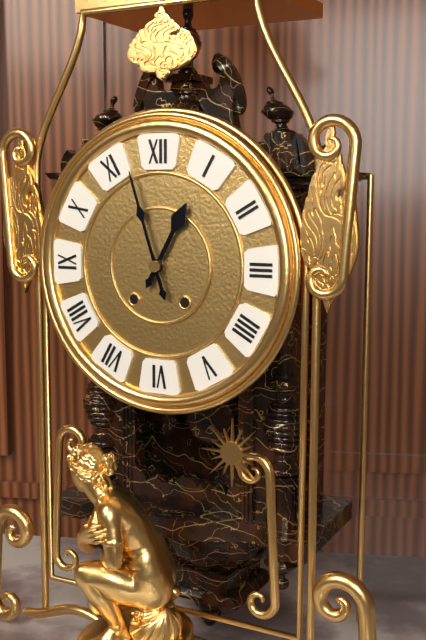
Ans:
h=12 m=57
